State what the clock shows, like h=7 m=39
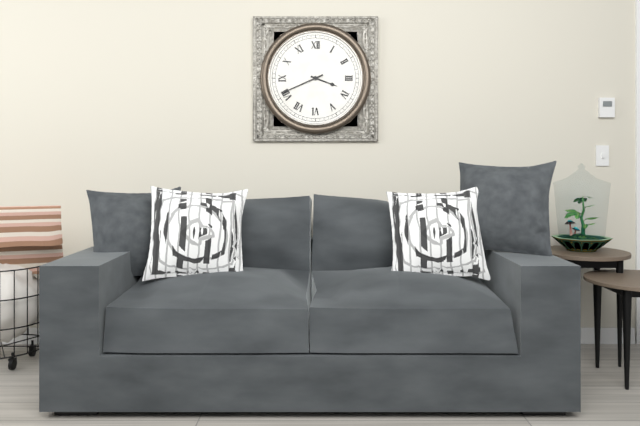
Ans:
h=3 m=41
